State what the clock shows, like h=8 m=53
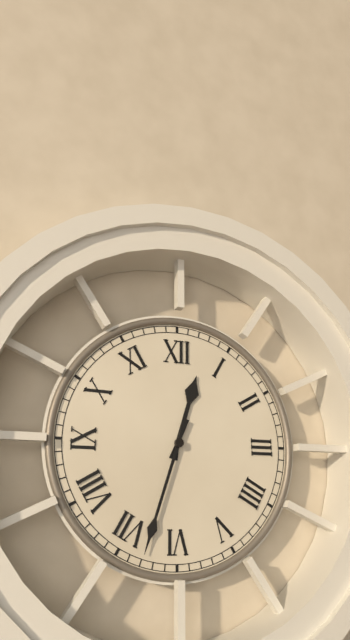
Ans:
h=12 m=33
